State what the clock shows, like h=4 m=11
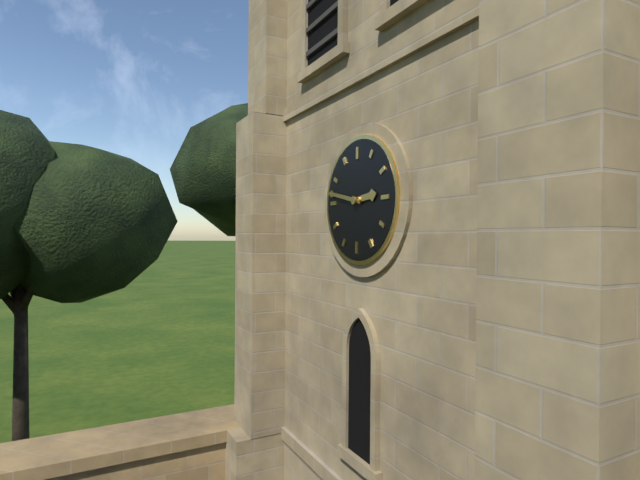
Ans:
h=2 m=47
